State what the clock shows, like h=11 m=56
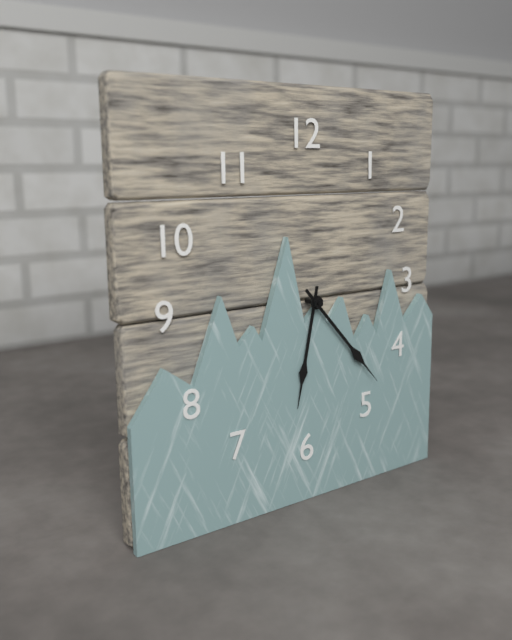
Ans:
h=6 m=23
